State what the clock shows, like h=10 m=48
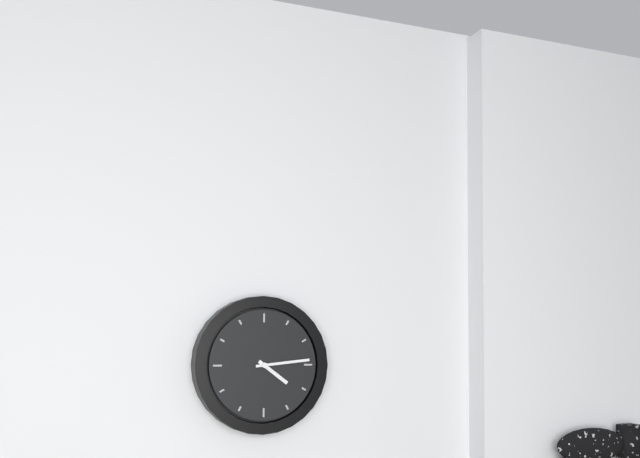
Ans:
h=4 m=14
